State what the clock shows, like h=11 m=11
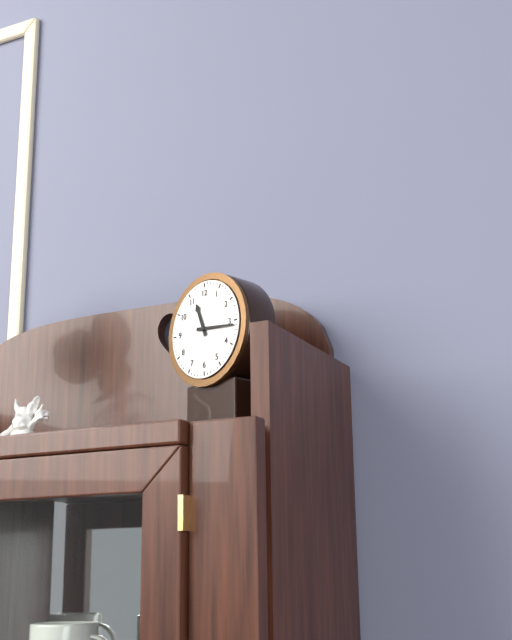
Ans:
h=11 m=16
